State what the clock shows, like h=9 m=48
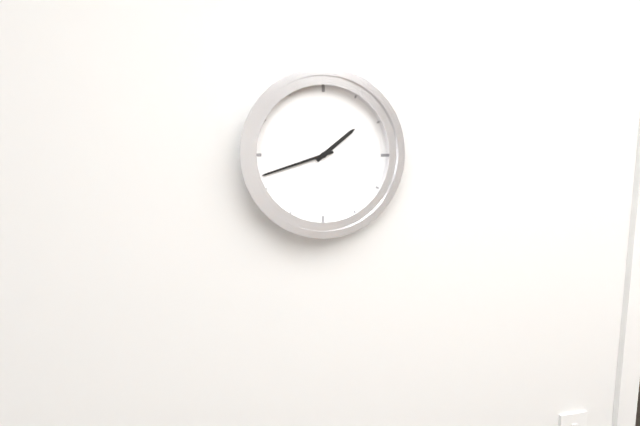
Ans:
h=1 m=42
